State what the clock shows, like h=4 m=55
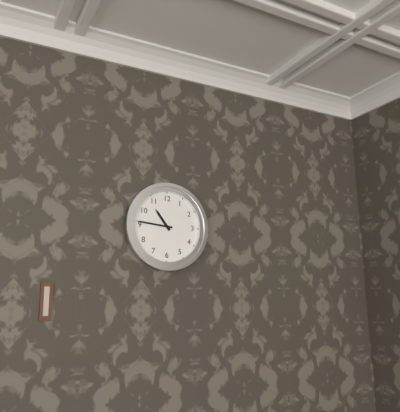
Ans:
h=10 m=46
